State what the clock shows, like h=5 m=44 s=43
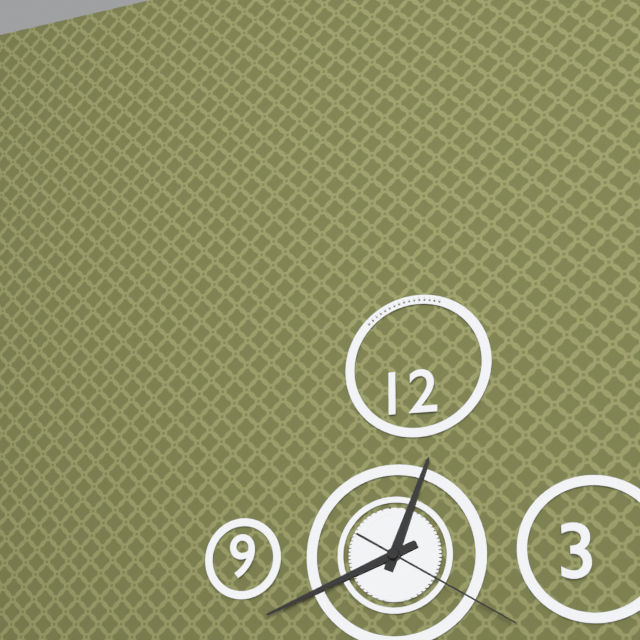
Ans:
h=12 m=41 s=20
